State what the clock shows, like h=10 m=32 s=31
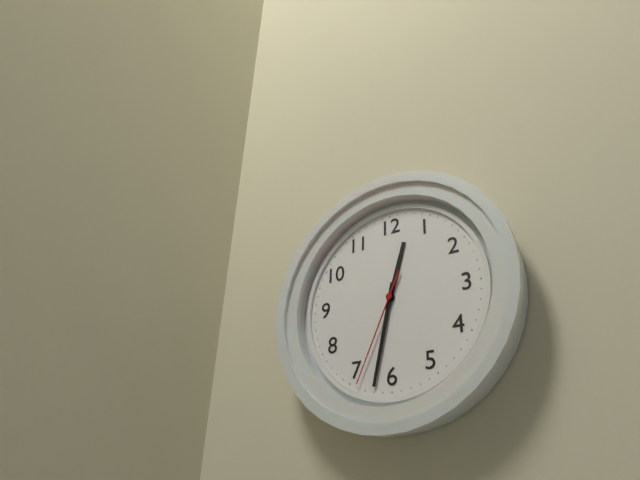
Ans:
h=12 m=32 s=34
